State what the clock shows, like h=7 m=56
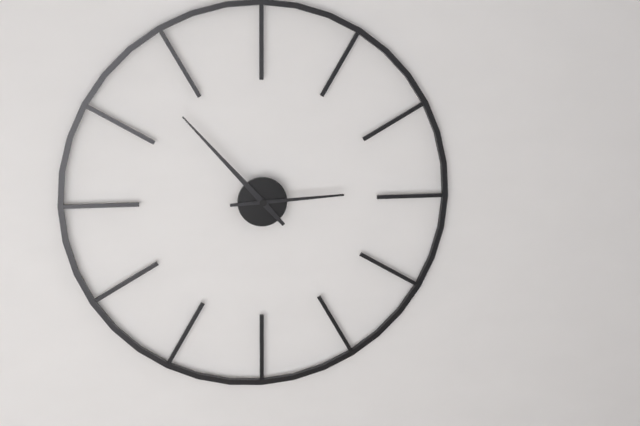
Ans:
h=2 m=53
